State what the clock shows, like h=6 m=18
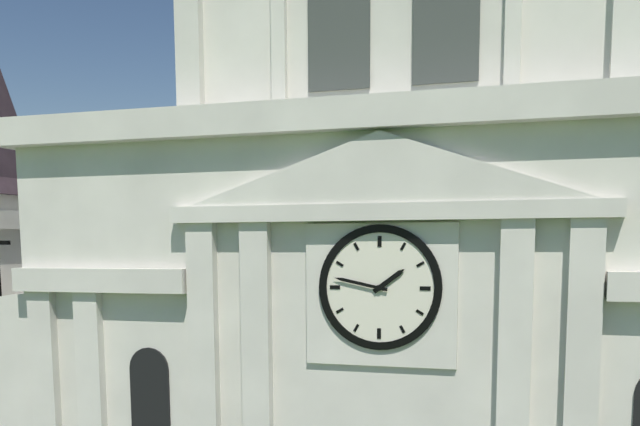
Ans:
h=1 m=47
